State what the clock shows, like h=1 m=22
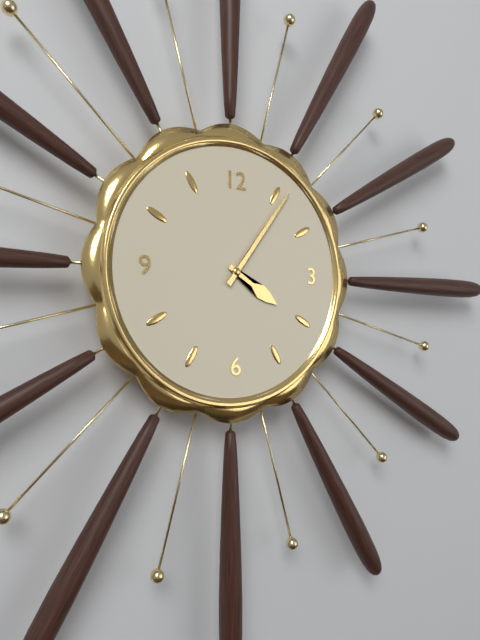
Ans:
h=4 m=6
